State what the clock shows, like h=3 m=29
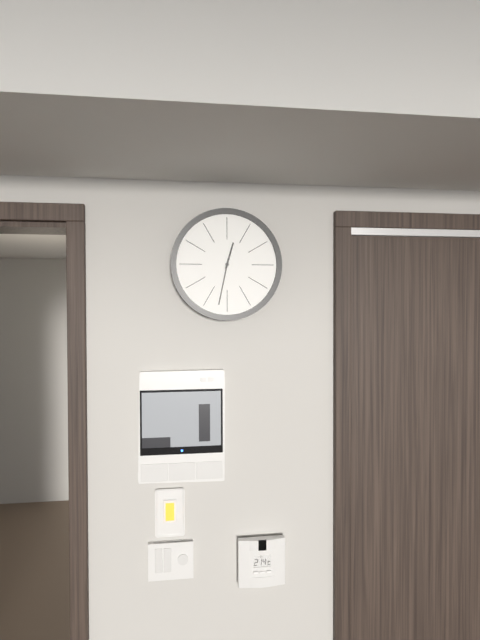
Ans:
h=12 m=32
